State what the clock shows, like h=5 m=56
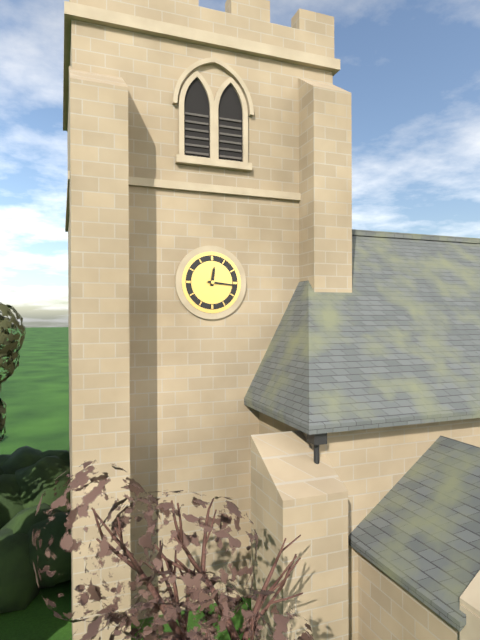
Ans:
h=12 m=16
